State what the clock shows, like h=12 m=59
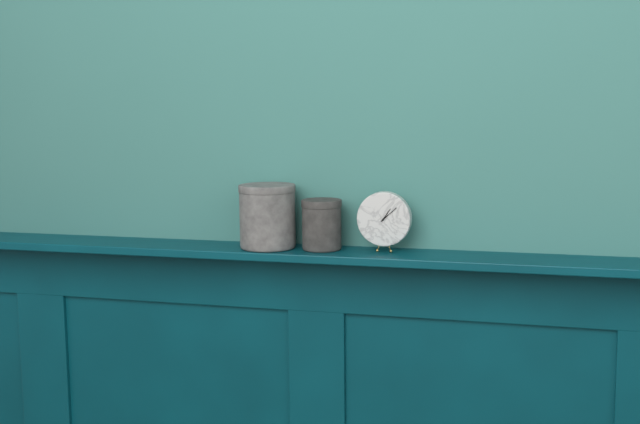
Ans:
h=1 m=8
